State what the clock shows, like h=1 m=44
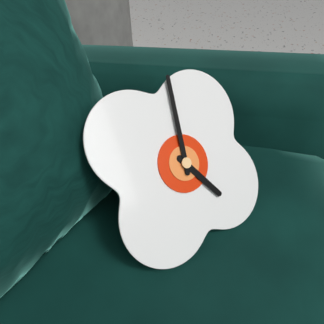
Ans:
h=5 m=2
